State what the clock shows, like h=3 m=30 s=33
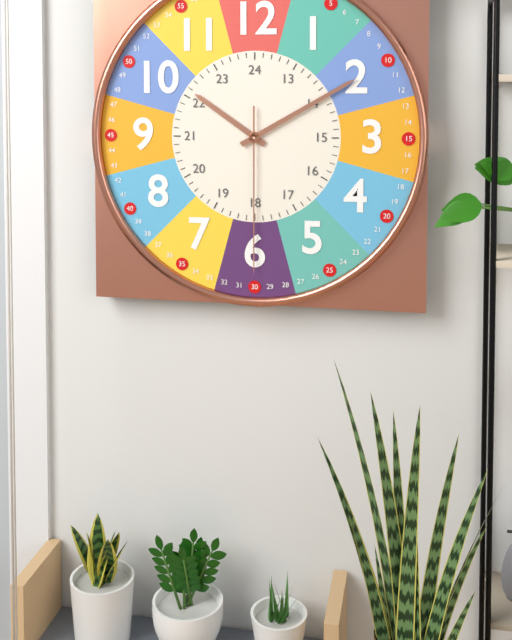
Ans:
h=10 m=10 s=30
